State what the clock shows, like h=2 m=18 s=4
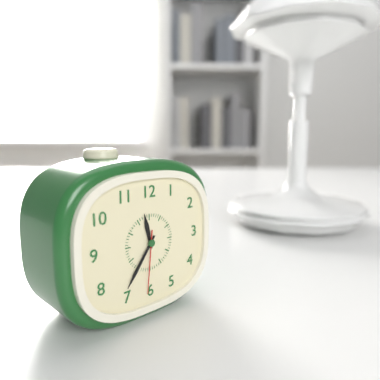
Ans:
h=11 m=36 s=31
